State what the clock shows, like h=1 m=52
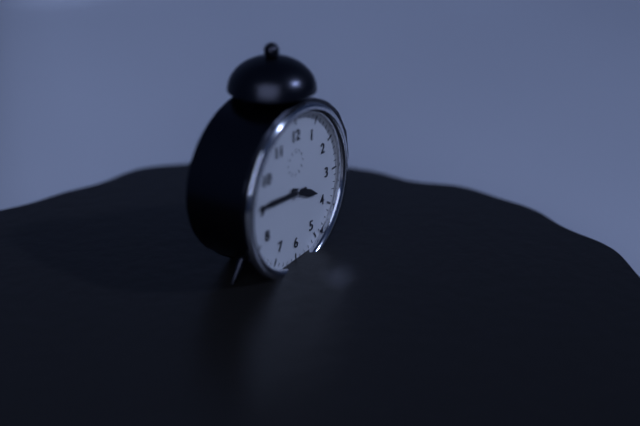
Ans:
h=3 m=46
